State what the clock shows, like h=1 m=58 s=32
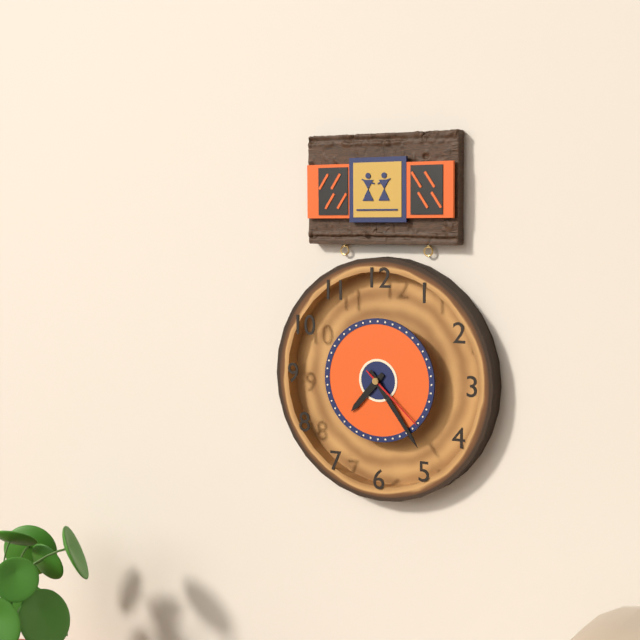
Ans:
h=7 m=24 s=22
